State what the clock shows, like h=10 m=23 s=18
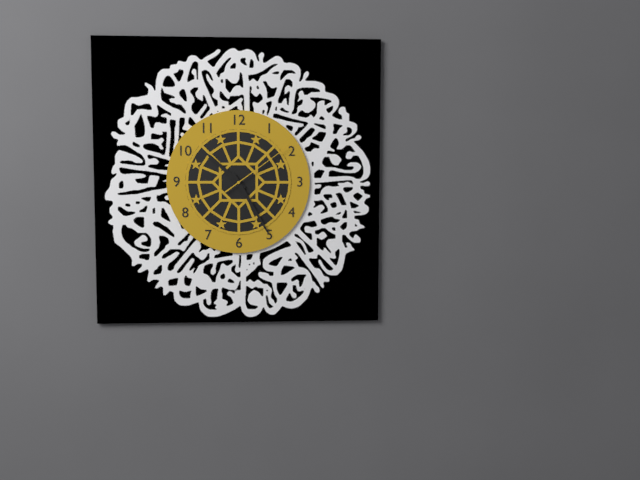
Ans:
h=10 m=25 s=9
